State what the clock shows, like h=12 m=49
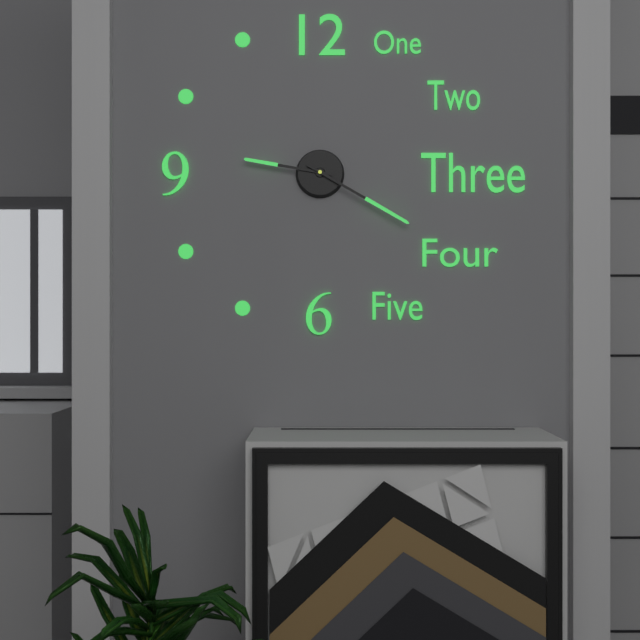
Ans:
h=9 m=20
